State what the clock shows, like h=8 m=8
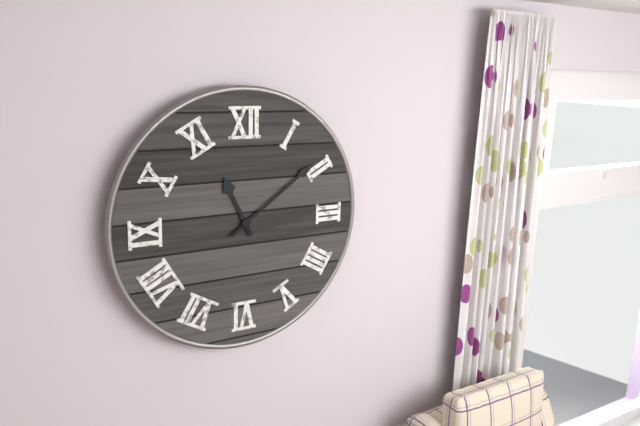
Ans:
h=11 m=9
